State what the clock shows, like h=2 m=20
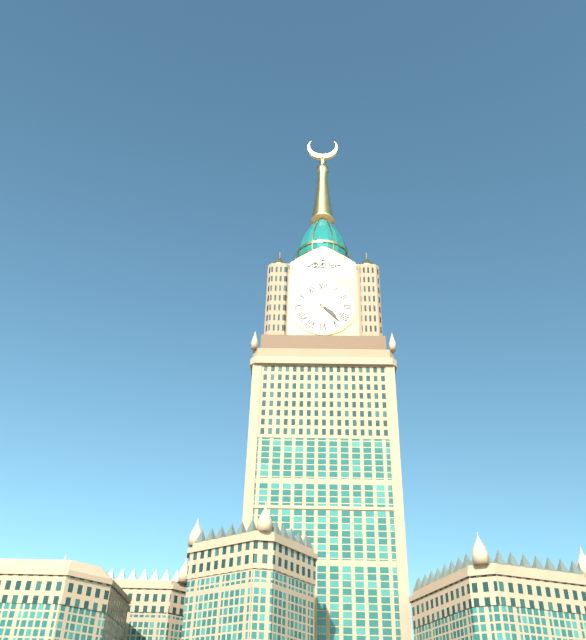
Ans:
h=4 m=23
